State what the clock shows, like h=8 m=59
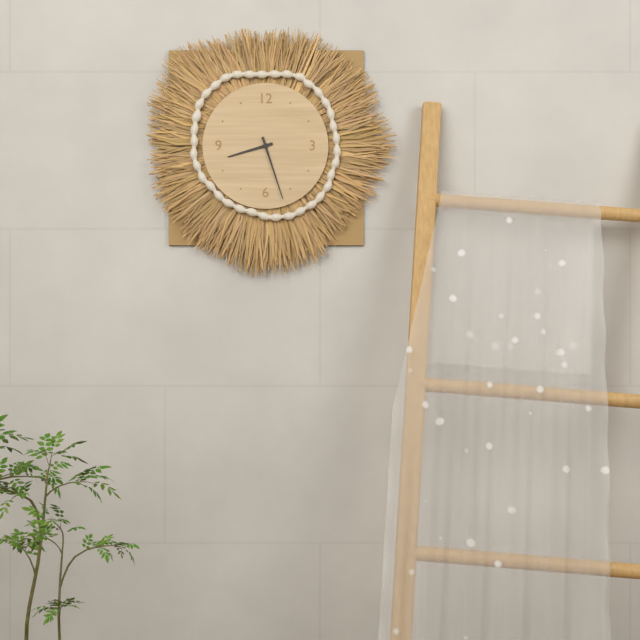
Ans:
h=8 m=27
